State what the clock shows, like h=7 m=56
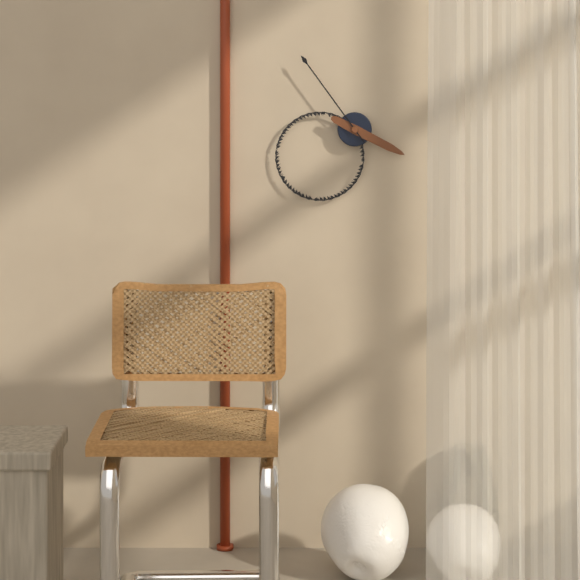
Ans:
h=3 m=54
